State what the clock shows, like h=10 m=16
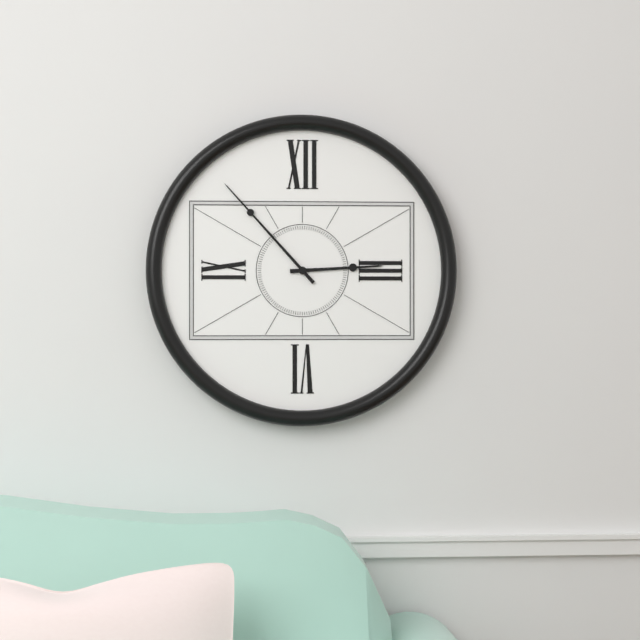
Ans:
h=2 m=53
